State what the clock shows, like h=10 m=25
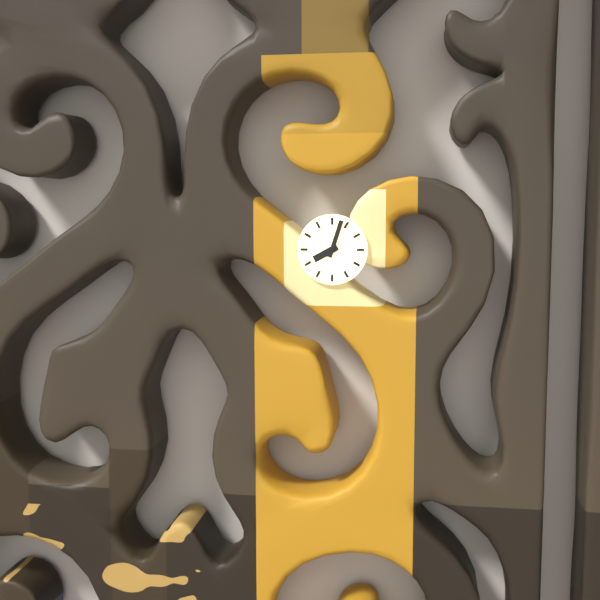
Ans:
h=8 m=3
